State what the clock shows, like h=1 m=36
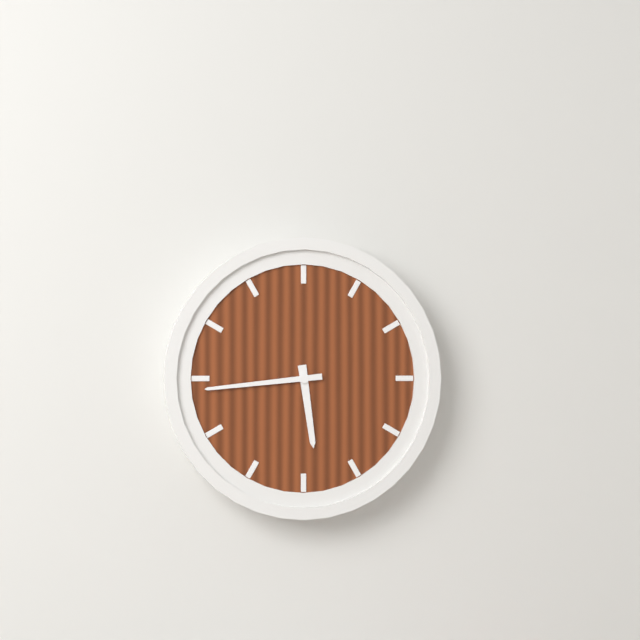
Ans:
h=5 m=44
